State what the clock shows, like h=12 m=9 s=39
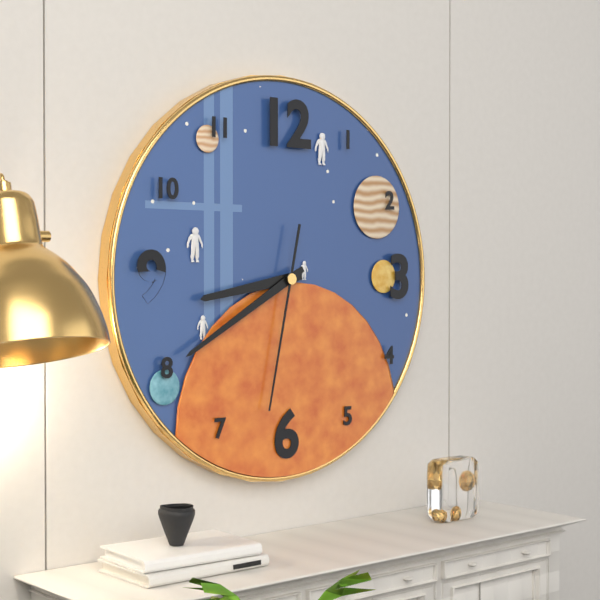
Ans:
h=8 m=40 s=32
